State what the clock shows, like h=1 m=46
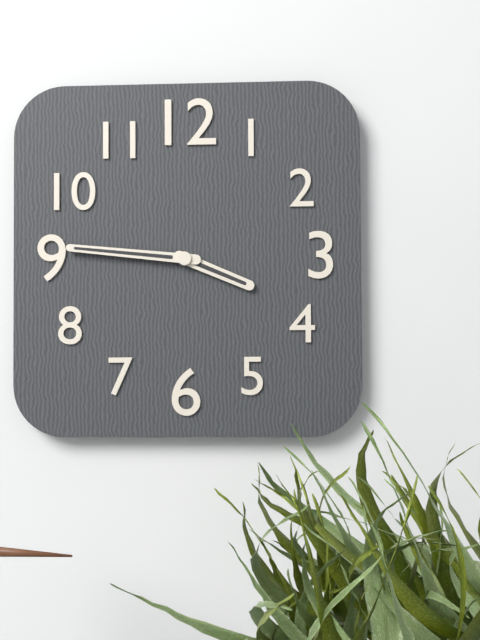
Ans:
h=3 m=46
